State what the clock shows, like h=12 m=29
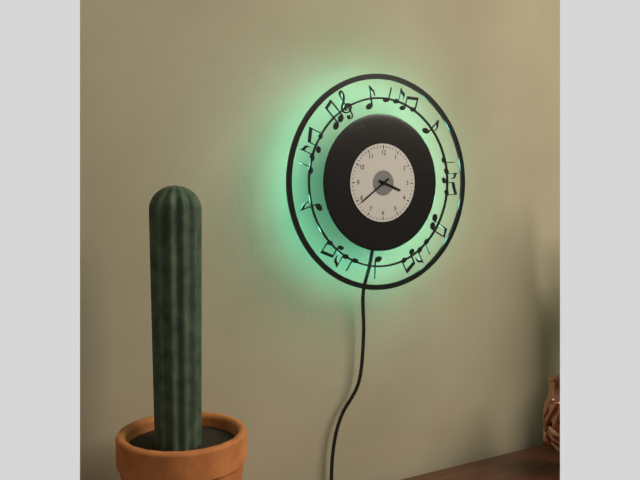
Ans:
h=3 m=39
